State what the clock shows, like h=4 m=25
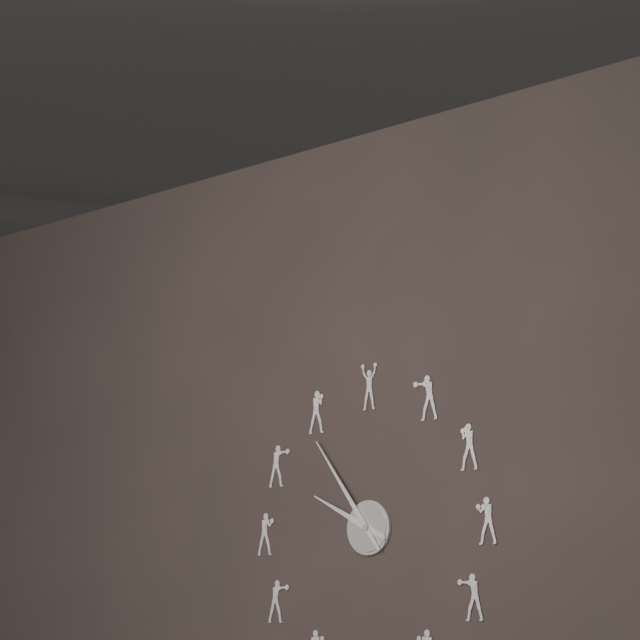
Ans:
h=9 m=54
